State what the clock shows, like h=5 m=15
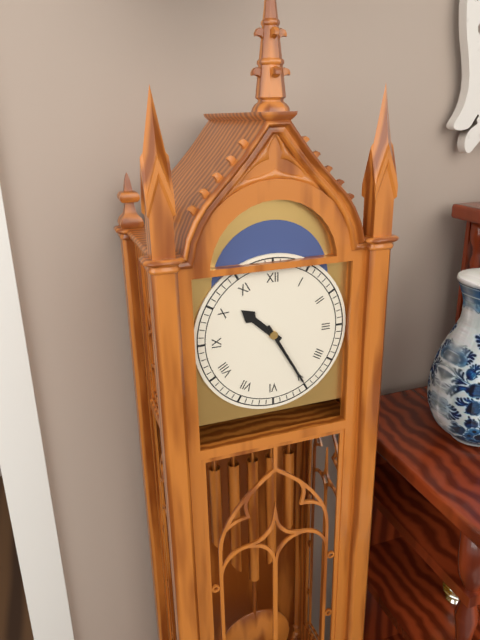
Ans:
h=10 m=25
